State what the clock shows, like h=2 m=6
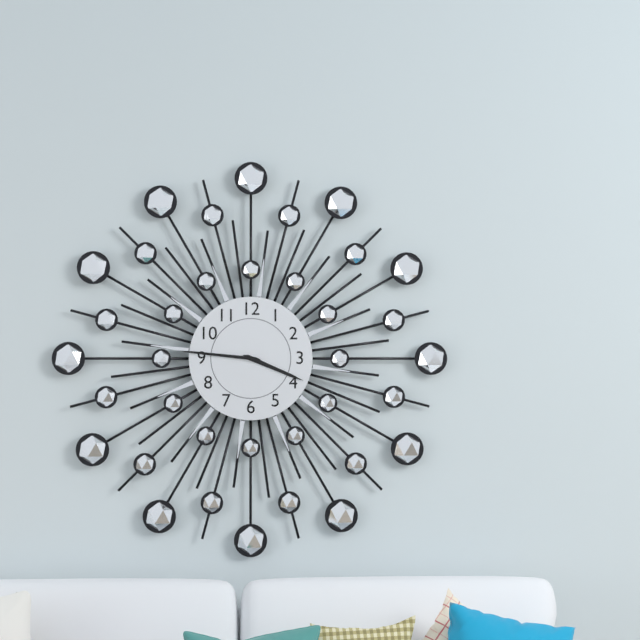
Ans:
h=3 m=46
